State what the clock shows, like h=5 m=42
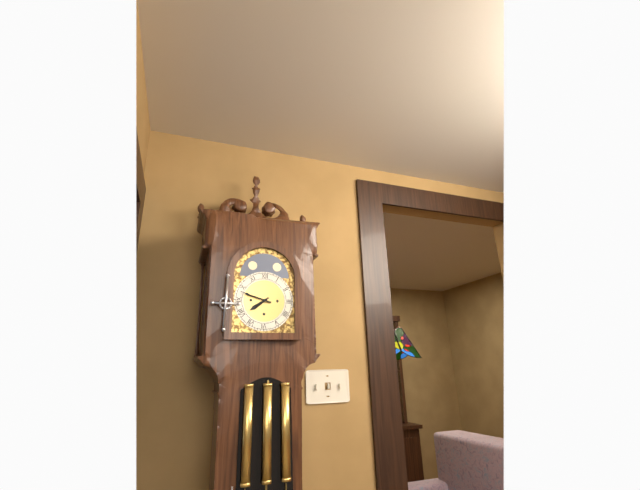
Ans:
h=7 m=48
